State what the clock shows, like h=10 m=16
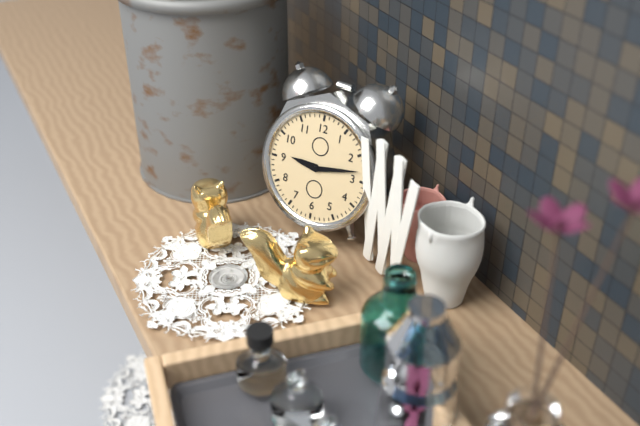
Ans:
h=9 m=13
